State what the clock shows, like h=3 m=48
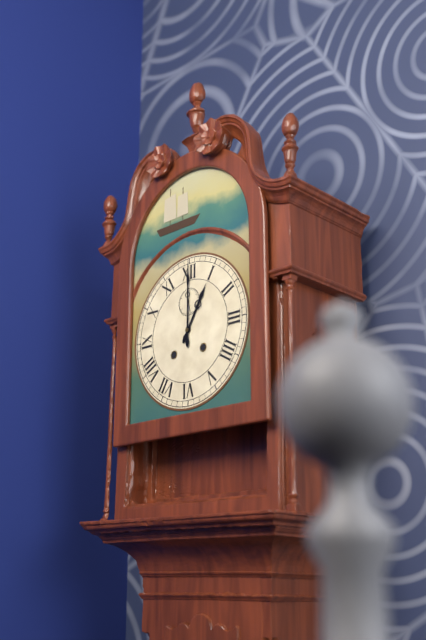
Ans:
h=1 m=0
